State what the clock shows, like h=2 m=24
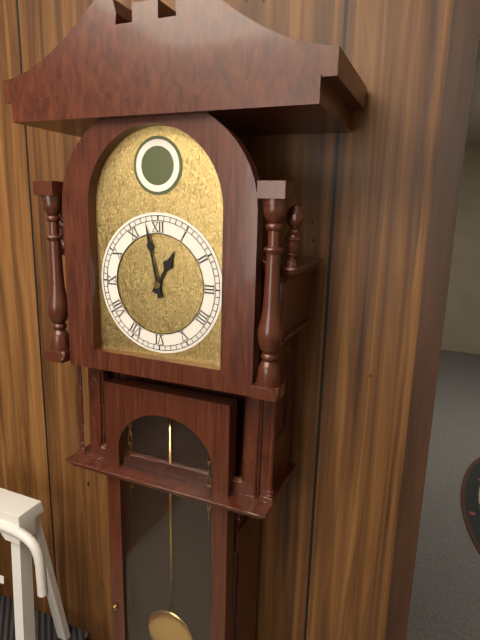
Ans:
h=12 m=58
